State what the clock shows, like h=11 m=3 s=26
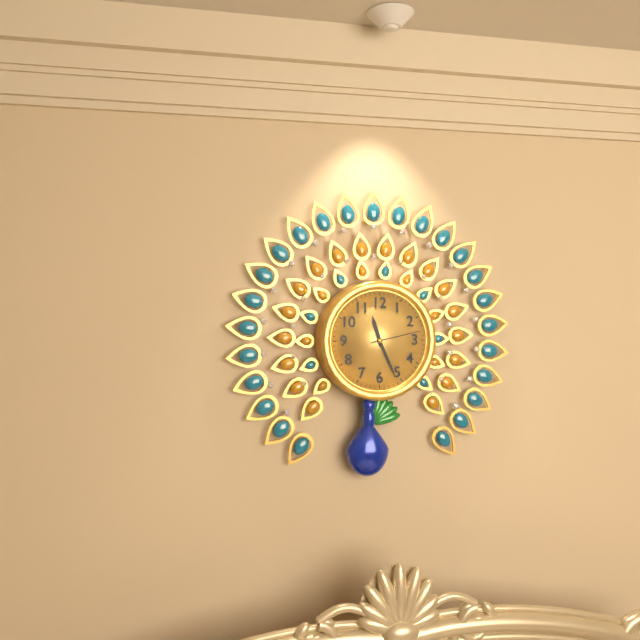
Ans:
h=11 m=26 s=13
